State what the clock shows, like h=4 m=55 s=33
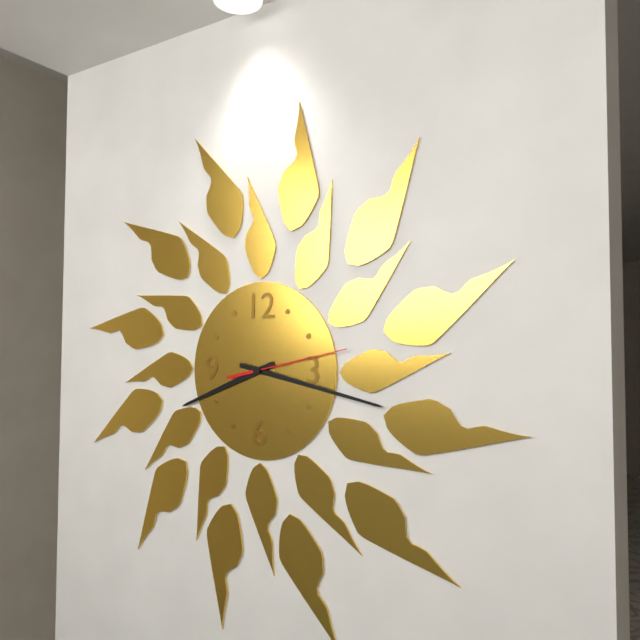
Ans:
h=8 m=17 s=13
